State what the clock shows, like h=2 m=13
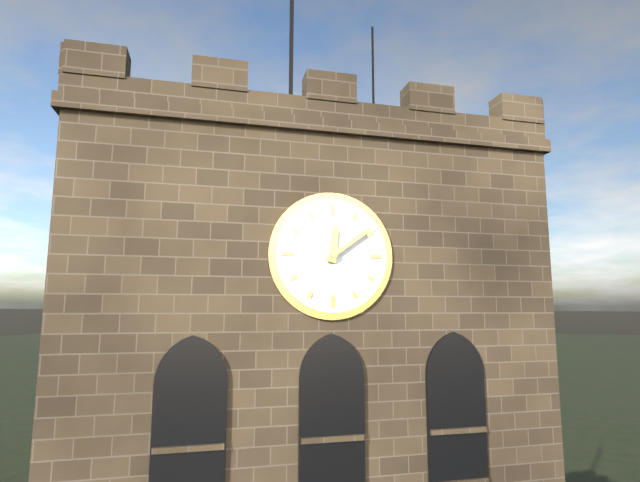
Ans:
h=12 m=9
